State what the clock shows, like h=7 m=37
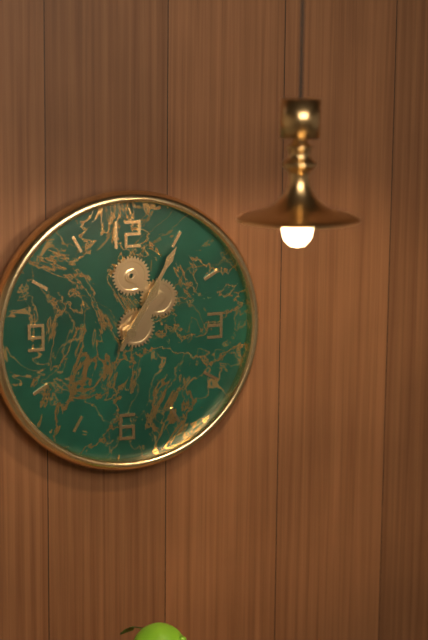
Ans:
h=1 m=5
